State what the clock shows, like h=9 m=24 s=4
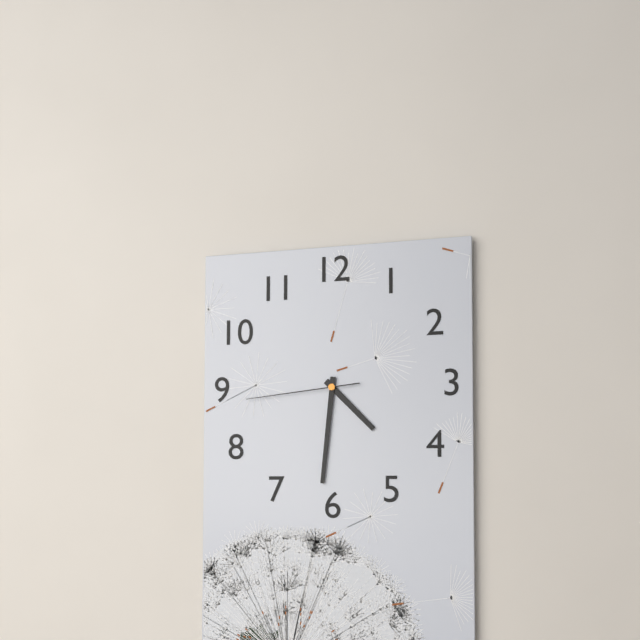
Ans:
h=4 m=31 s=44
